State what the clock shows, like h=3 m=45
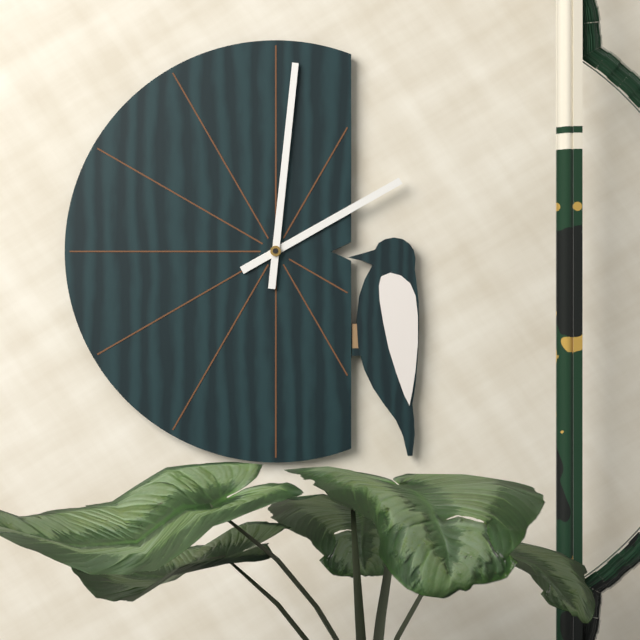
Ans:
h=2 m=1
